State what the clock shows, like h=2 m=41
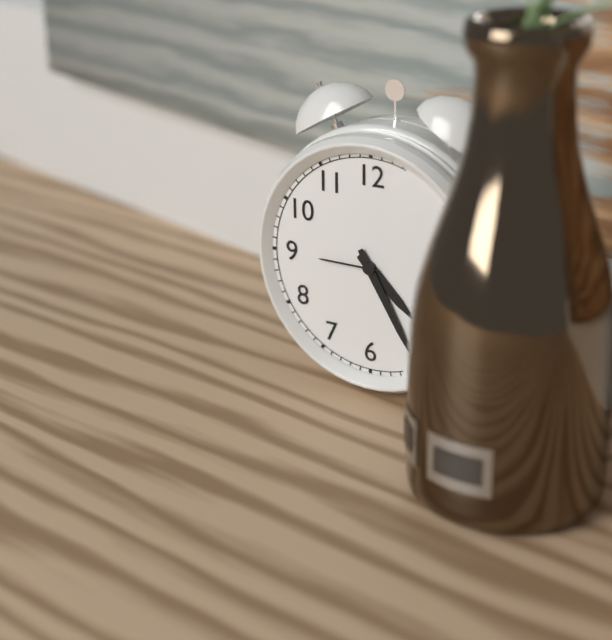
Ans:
h=4 m=25
